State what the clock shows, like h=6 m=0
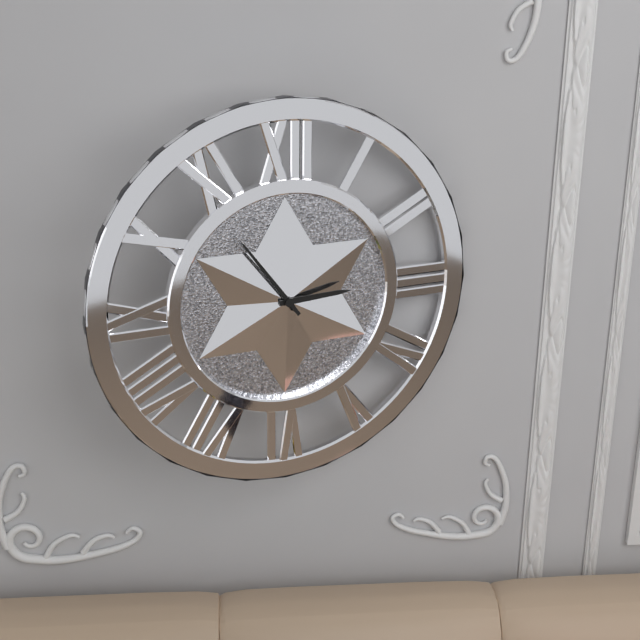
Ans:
h=2 m=54
